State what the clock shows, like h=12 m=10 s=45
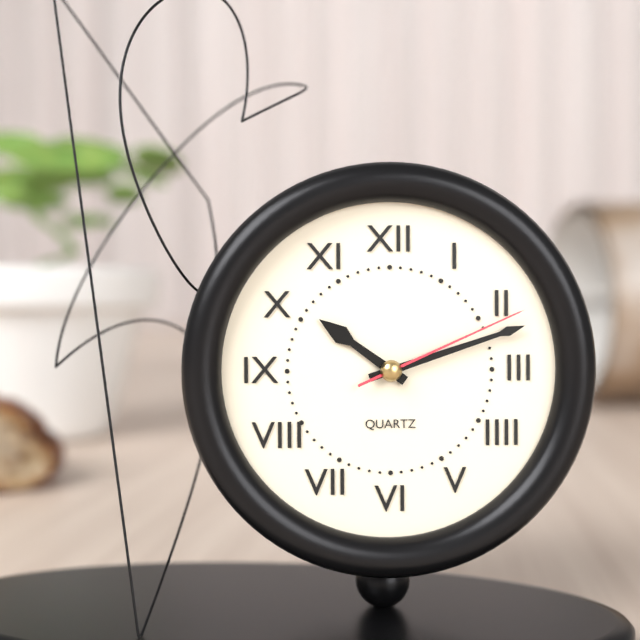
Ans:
h=10 m=12 s=11
